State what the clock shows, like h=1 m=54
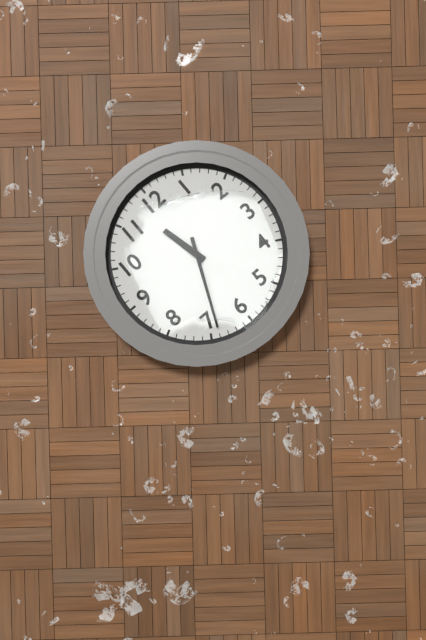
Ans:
h=11 m=34
